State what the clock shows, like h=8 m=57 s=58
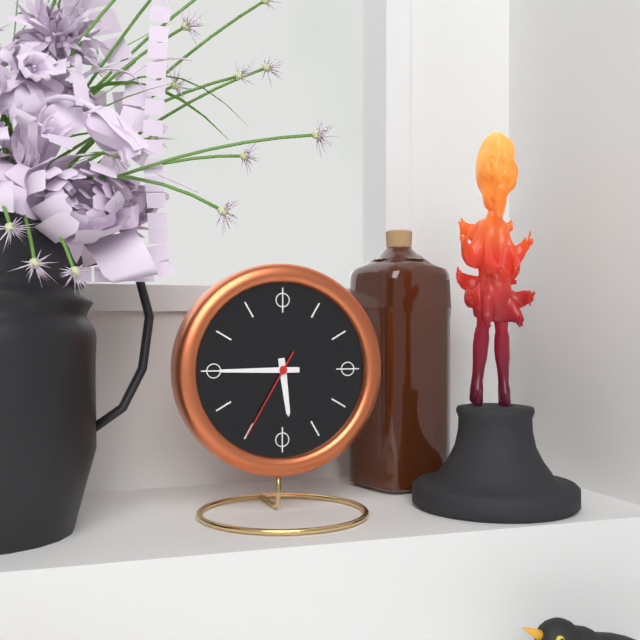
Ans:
h=5 m=45 s=35
